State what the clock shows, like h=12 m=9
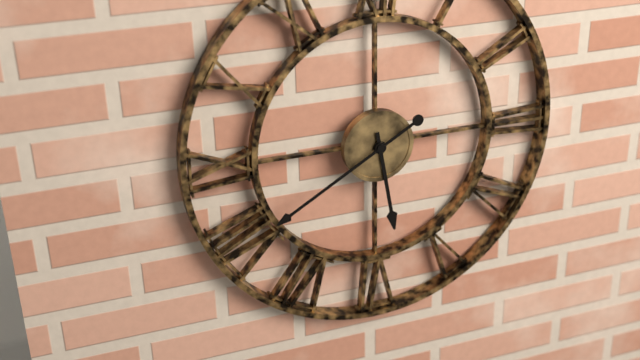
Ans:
h=5 m=40
